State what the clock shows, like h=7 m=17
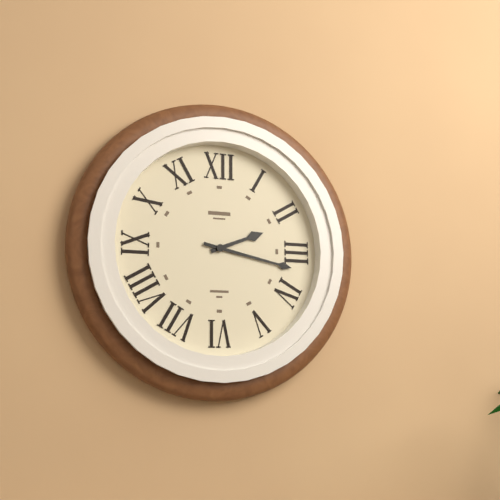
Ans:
h=2 m=17
